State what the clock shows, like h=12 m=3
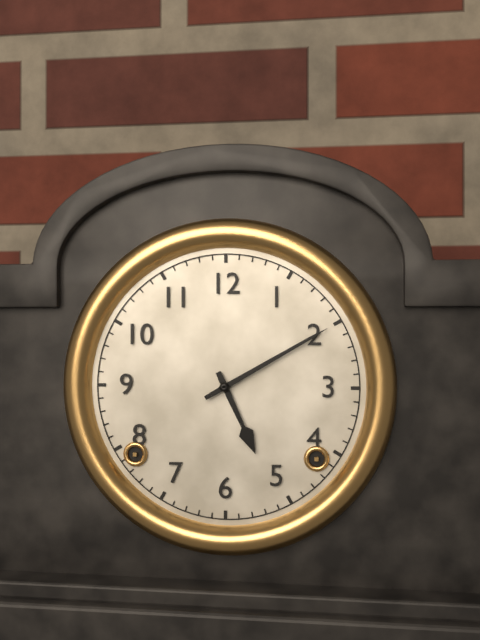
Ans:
h=5 m=10
